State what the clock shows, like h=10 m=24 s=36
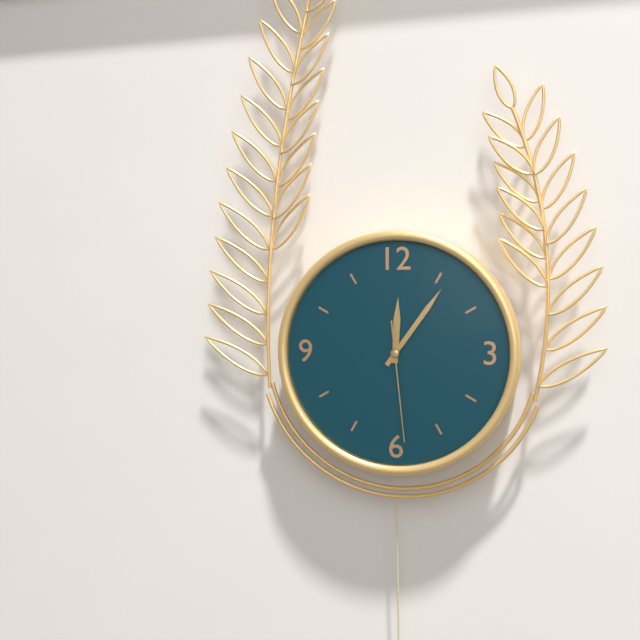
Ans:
h=12 m=6 s=29
